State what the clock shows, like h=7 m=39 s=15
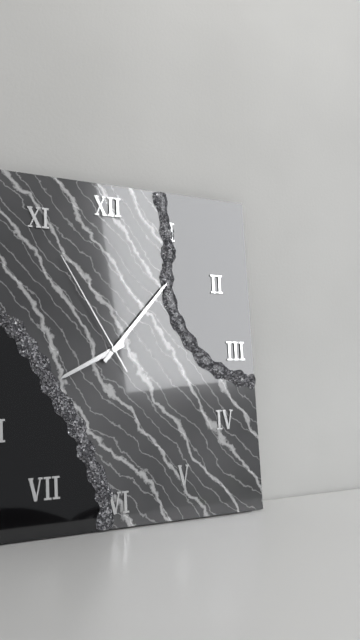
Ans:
h=8 m=7 s=55
